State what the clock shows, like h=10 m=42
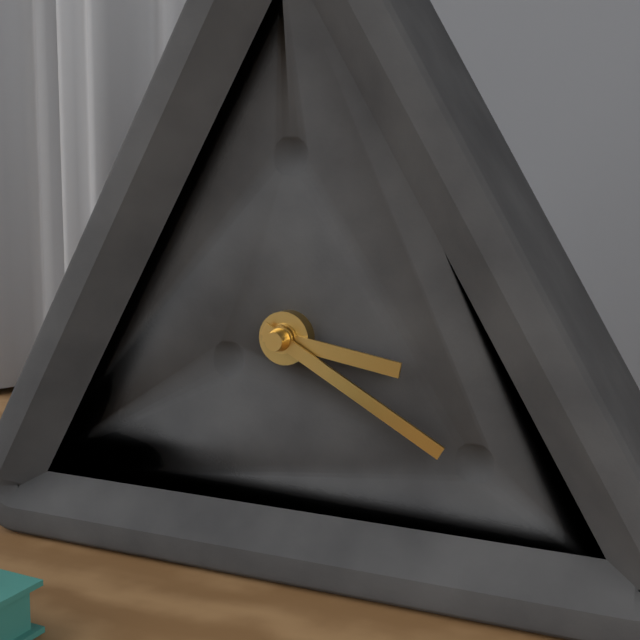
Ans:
h=3 m=20
